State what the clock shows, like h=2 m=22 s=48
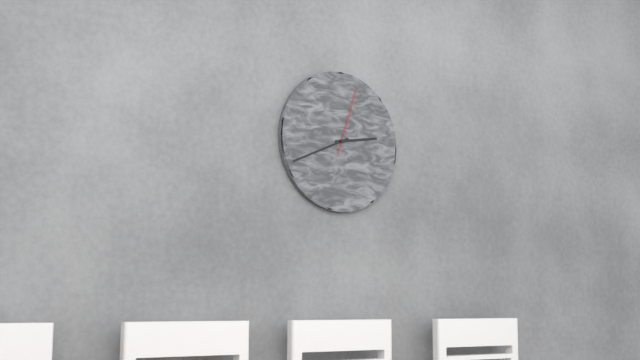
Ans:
h=2 m=41 s=3
